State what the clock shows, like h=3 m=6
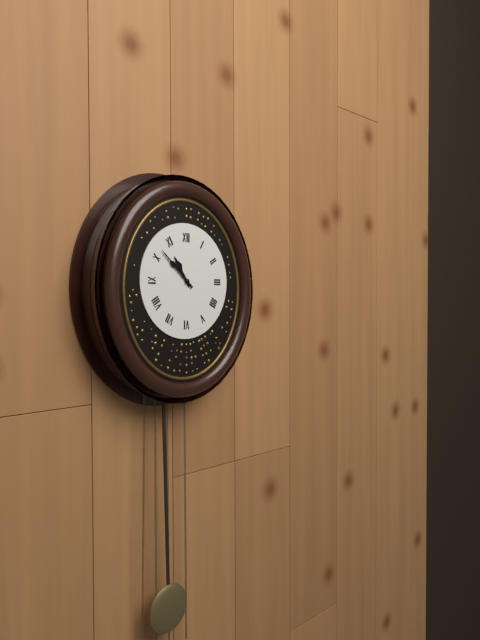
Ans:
h=10 m=52
